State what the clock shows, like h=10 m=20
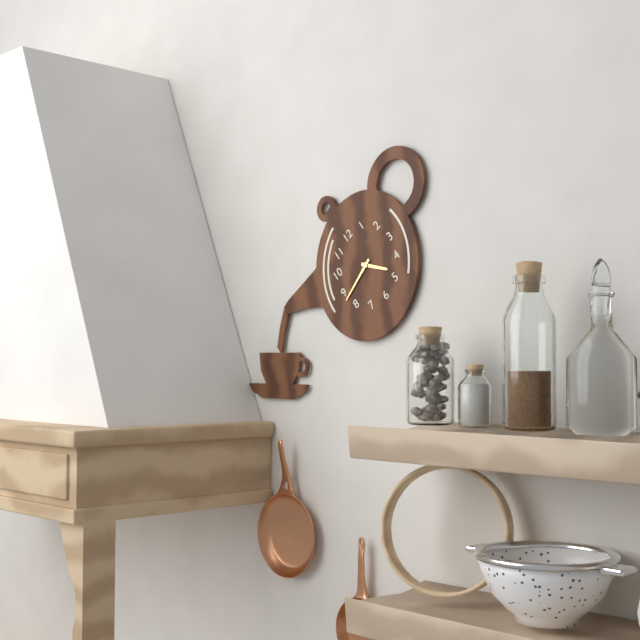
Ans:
h=4 m=43
